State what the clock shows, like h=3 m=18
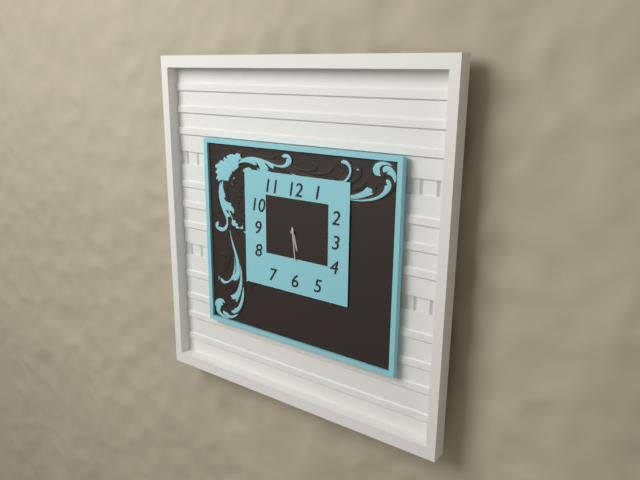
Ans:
h=5 m=29
